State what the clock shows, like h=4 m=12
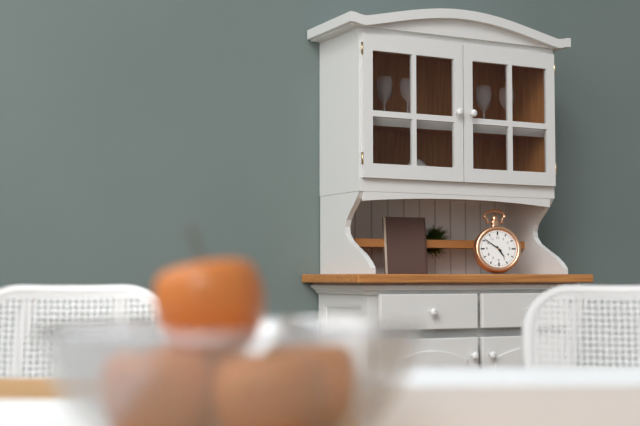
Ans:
h=4 m=51
